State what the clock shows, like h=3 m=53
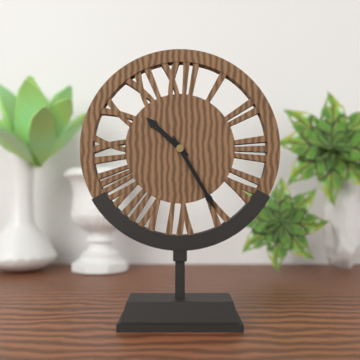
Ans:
h=10 m=25
